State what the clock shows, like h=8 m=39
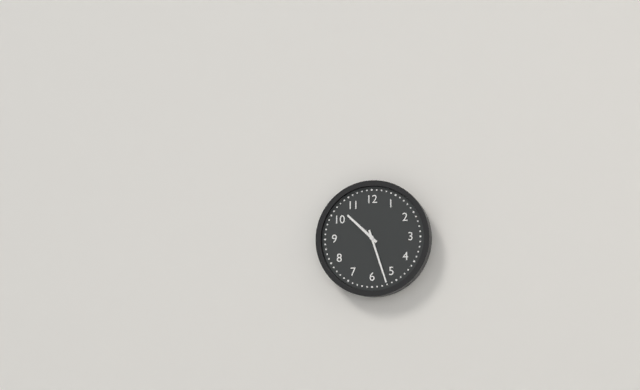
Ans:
h=10 m=27
